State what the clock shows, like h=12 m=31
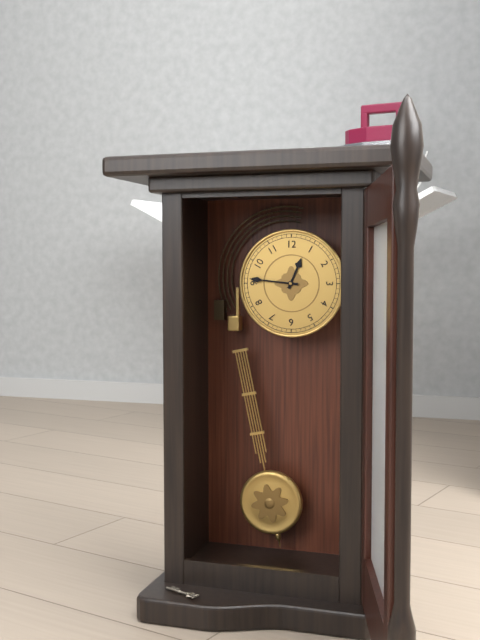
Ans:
h=12 m=46
